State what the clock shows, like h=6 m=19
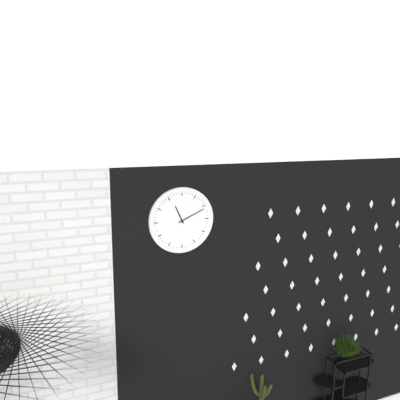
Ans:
h=11 m=11
